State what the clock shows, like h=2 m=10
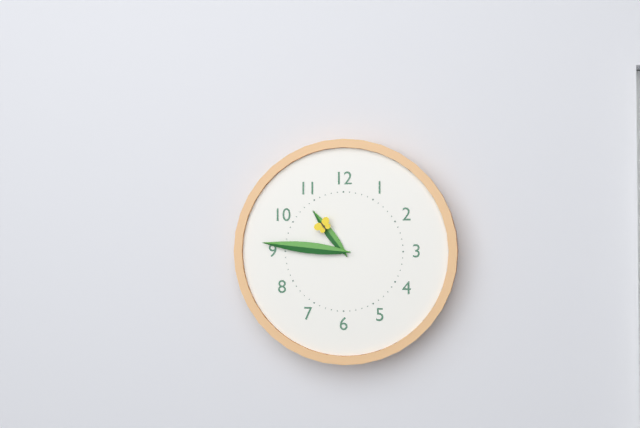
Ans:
h=10 m=46
